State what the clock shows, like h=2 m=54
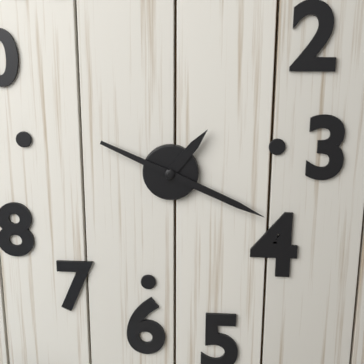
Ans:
h=1 m=19
